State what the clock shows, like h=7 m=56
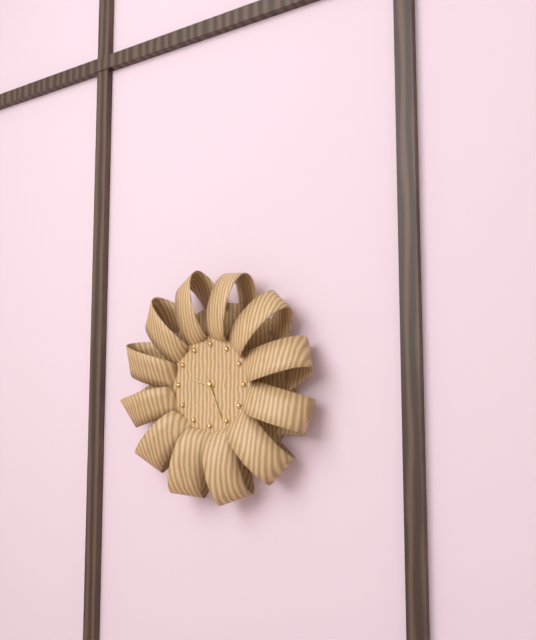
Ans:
h=9 m=26
